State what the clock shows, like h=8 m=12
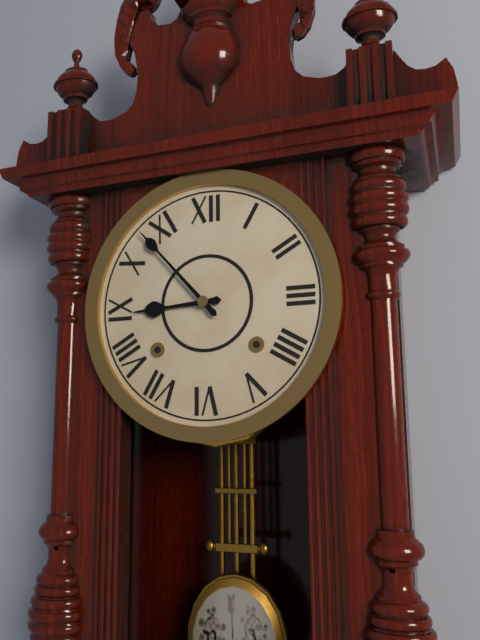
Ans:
h=8 m=53
